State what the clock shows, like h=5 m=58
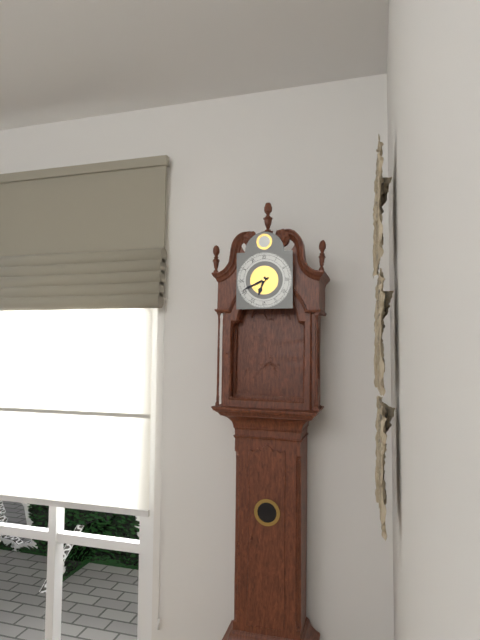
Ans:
h=6 m=41
